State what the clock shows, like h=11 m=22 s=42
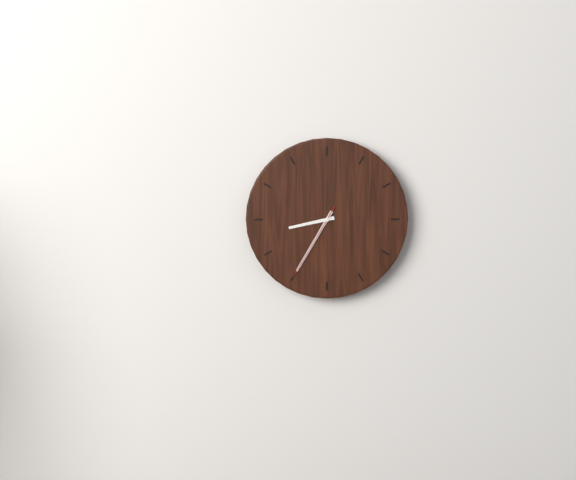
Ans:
h=8 m=35 s=35
